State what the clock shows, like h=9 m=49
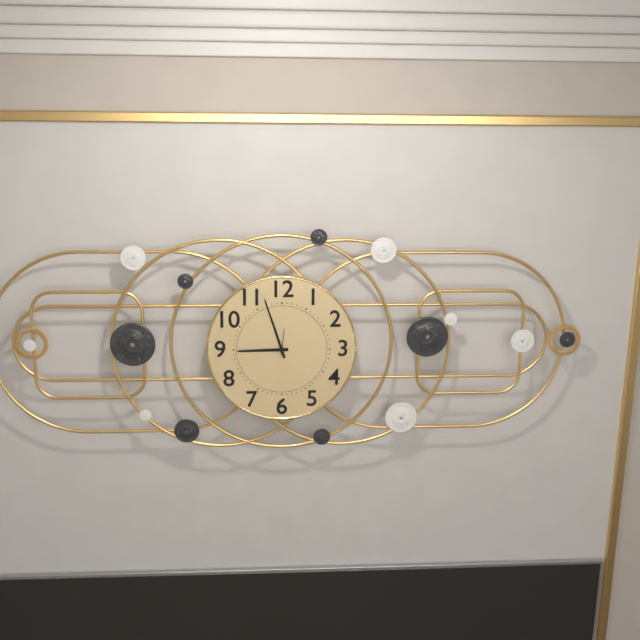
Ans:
h=8 m=57
